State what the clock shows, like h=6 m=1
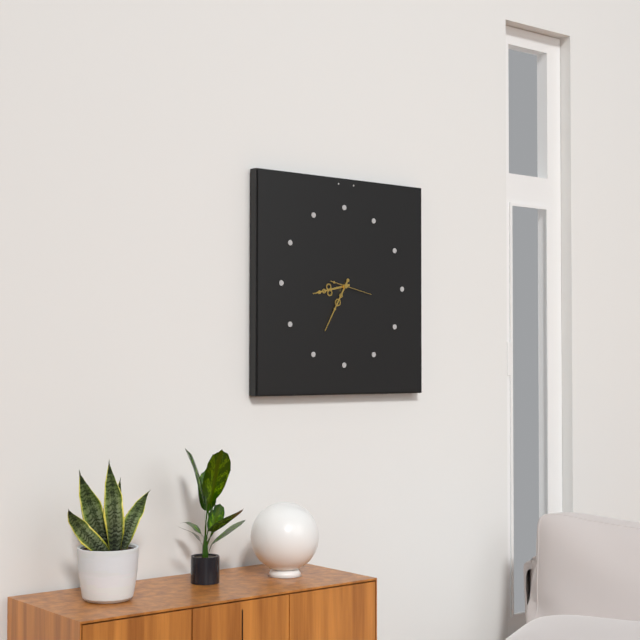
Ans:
h=8 m=35
